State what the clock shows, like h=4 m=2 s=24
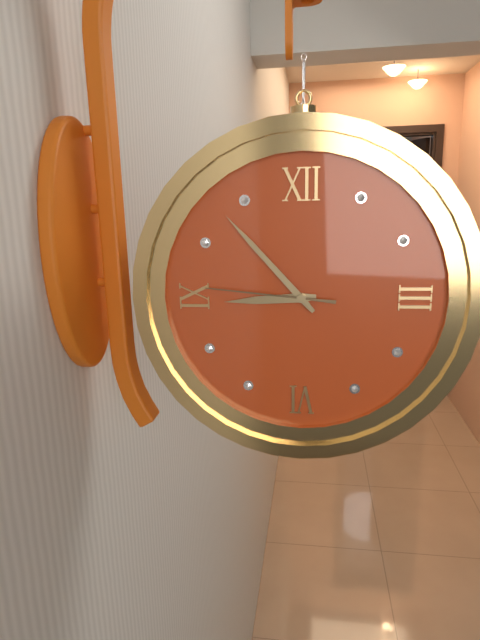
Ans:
h=8 m=53 s=46
